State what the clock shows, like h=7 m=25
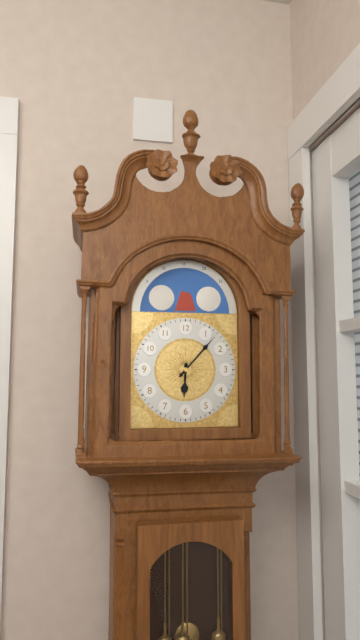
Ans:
h=6 m=7
